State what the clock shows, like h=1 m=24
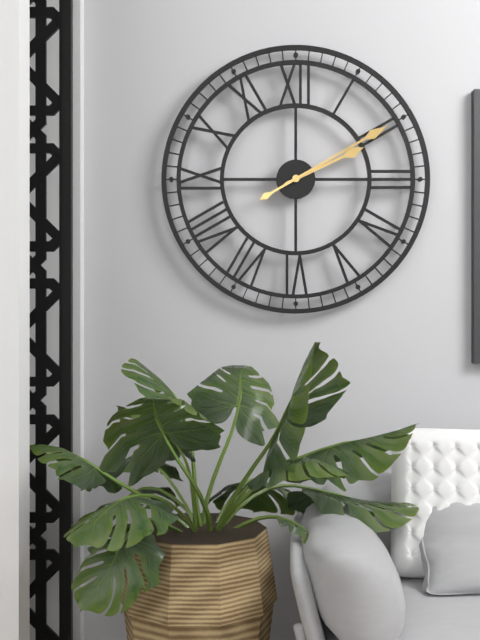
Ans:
h=2 m=10
